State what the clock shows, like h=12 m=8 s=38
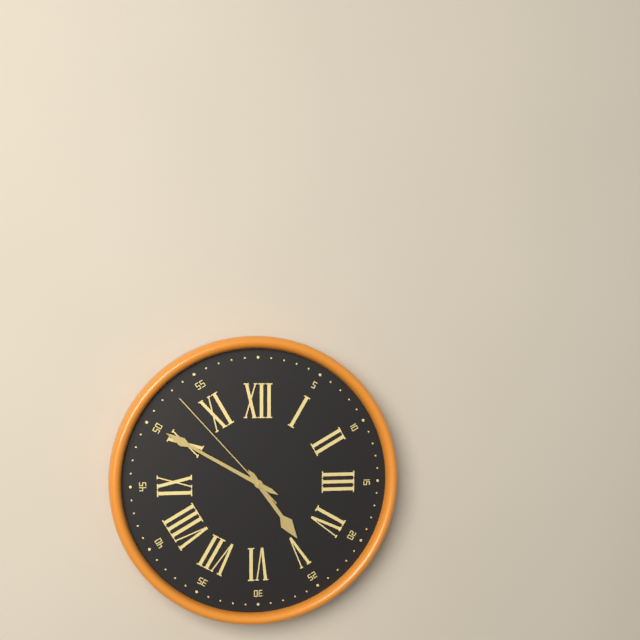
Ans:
h=4 m=50 s=53
